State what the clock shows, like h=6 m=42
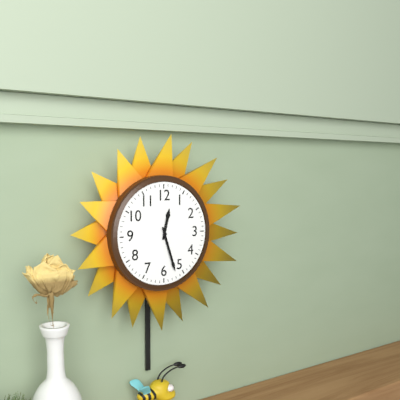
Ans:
h=12 m=27
